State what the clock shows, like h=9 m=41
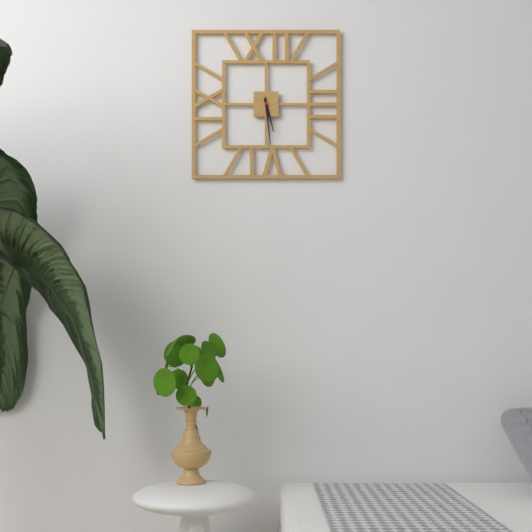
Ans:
h=5 m=29
